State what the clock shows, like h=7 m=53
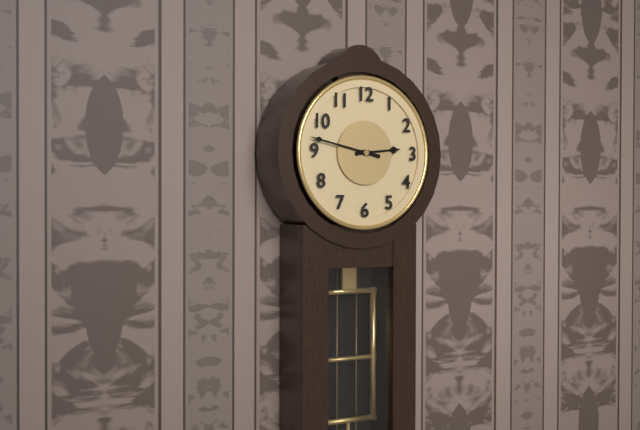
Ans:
h=2 m=47
